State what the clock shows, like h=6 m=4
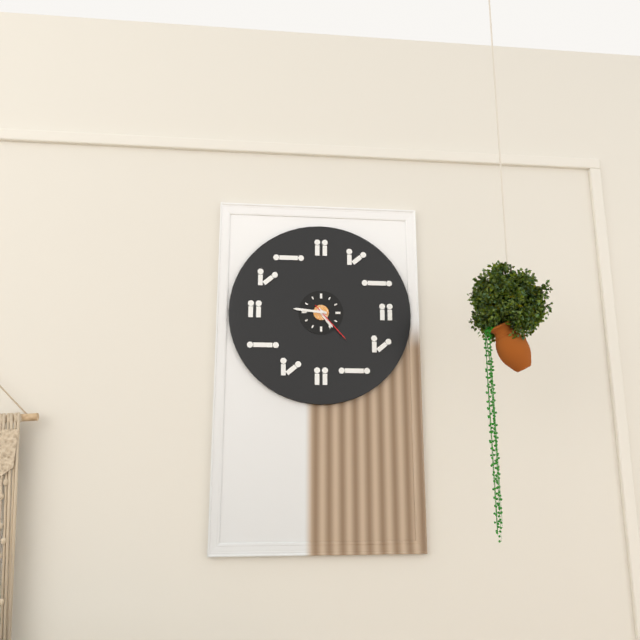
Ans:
h=4 m=46
